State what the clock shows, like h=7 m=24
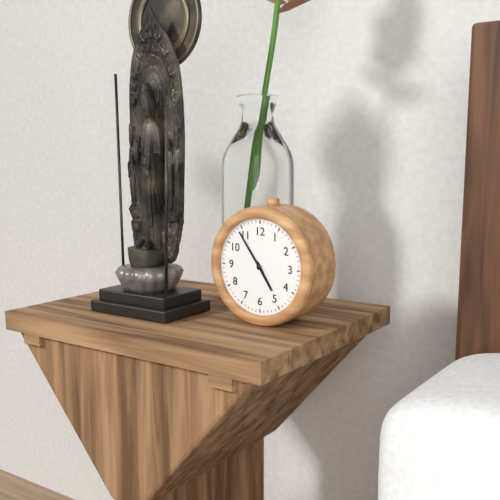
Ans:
h=4 m=54
